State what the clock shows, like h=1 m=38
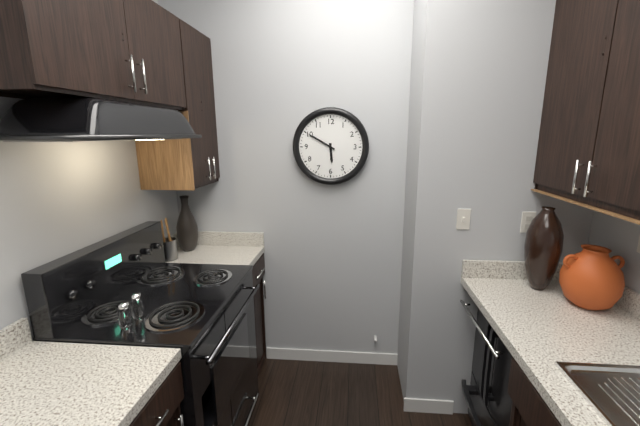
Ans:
h=5 m=50
